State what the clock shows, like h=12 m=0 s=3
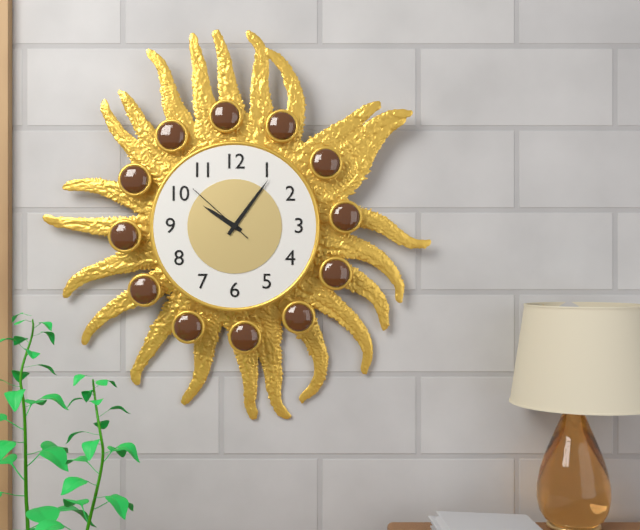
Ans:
h=10 m=6 s=52
